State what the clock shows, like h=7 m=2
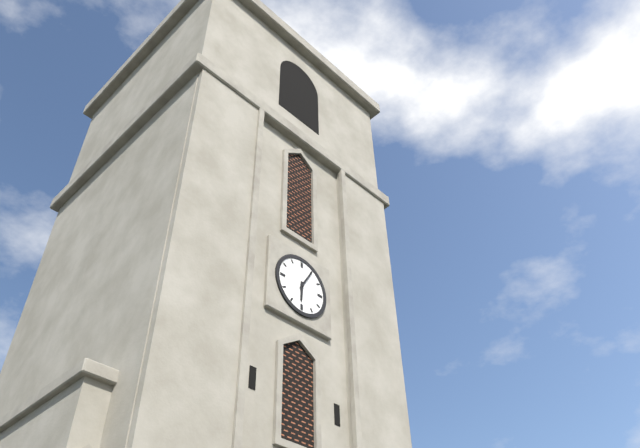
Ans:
h=6 m=5
